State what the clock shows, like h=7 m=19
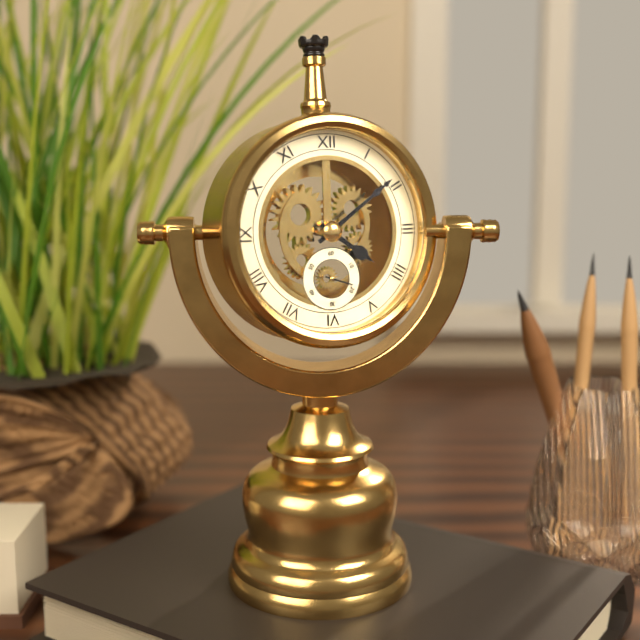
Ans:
h=4 m=9
